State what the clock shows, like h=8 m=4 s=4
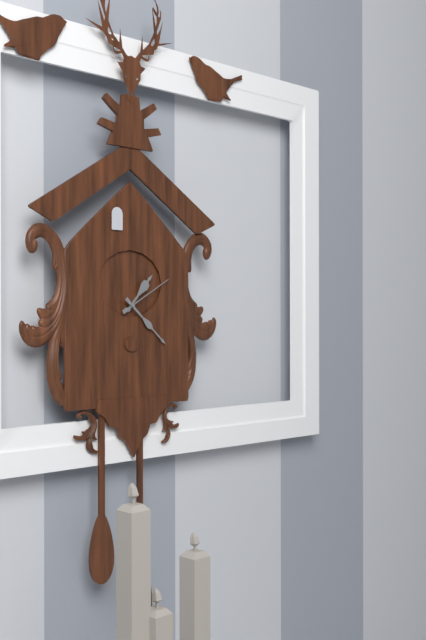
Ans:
h=1 m=22 s=10
